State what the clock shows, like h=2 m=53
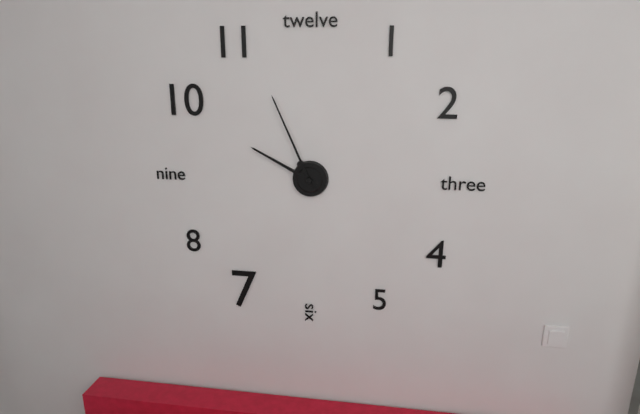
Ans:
h=9 m=56
